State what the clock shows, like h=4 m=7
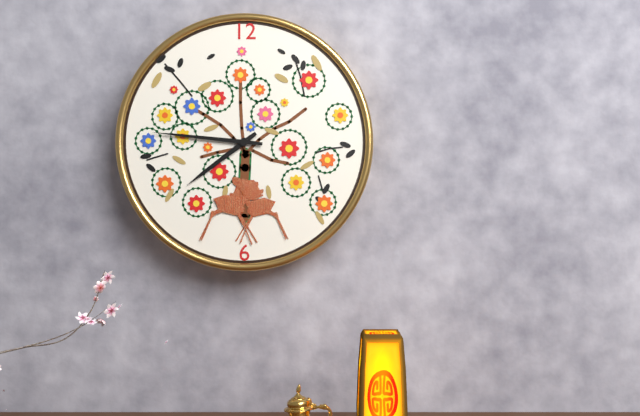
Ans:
h=7 m=46
